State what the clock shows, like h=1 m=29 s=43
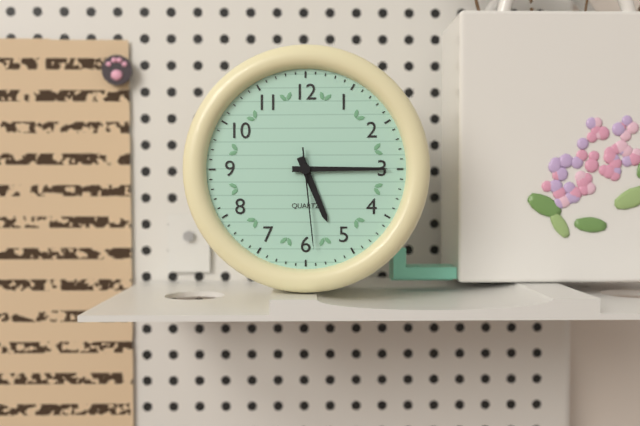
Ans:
h=5 m=15 s=29
